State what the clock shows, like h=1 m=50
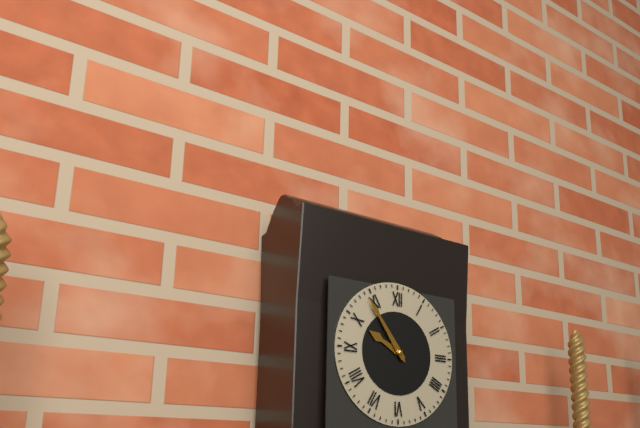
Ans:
h=9 m=54
